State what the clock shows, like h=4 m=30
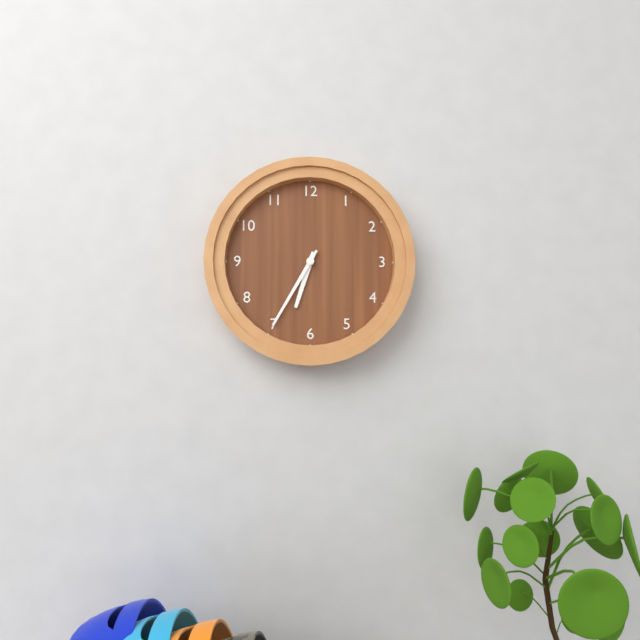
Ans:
h=6 m=35
